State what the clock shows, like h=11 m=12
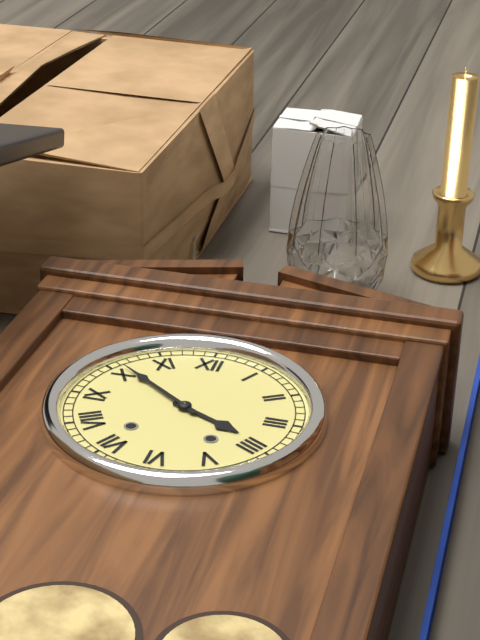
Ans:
h=3 m=51
